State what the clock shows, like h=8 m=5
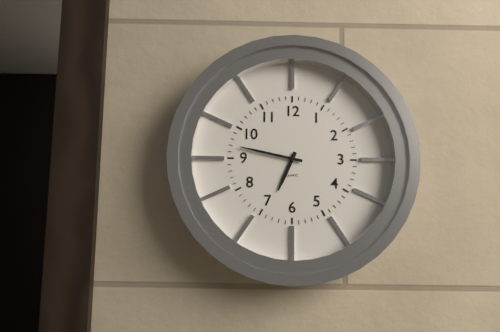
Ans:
h=6 m=47
